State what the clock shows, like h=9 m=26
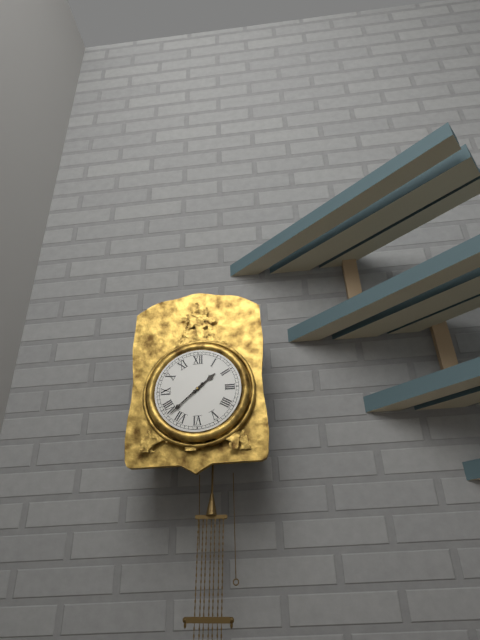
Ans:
h=1 m=38
